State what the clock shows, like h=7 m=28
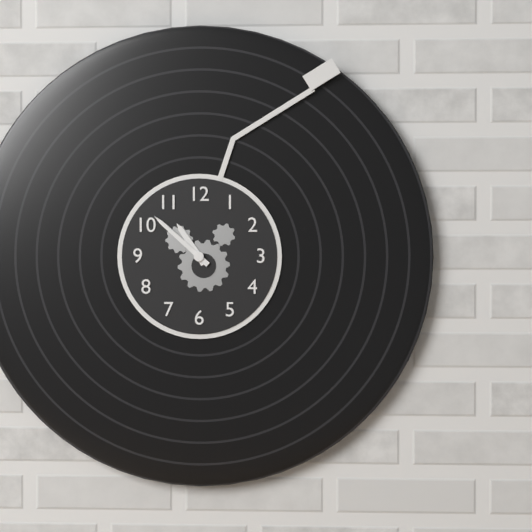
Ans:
h=10 m=52
